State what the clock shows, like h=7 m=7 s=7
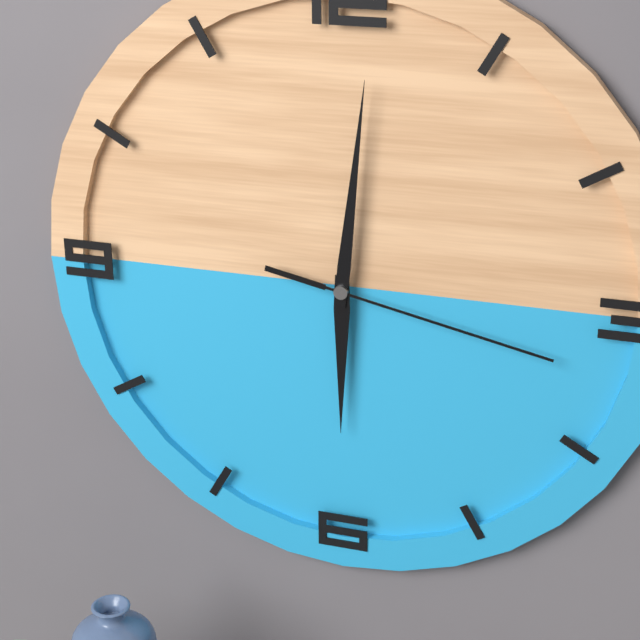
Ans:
h=6 m=1 s=17
